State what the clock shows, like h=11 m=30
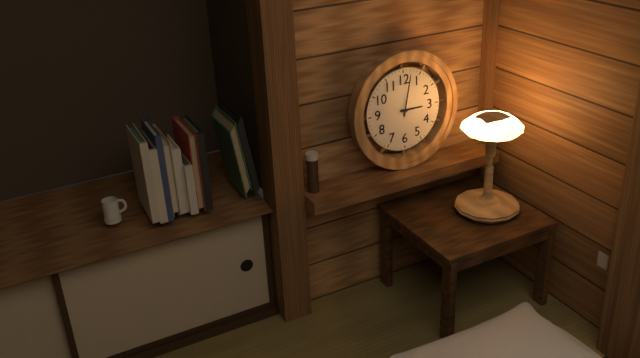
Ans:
h=3 m=2
